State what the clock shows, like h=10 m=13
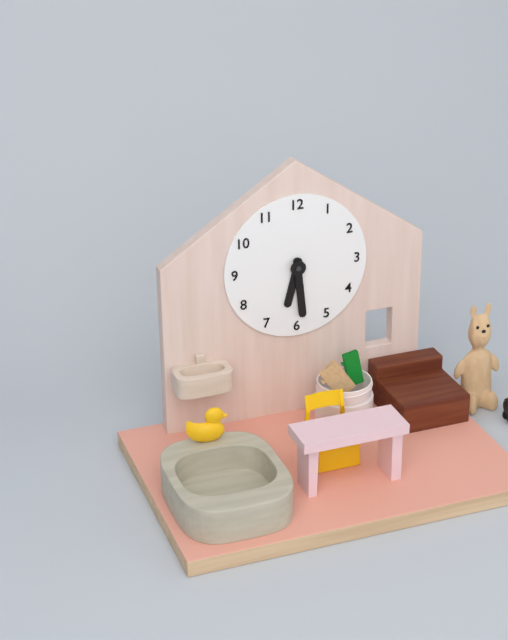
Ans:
h=6 m=29
